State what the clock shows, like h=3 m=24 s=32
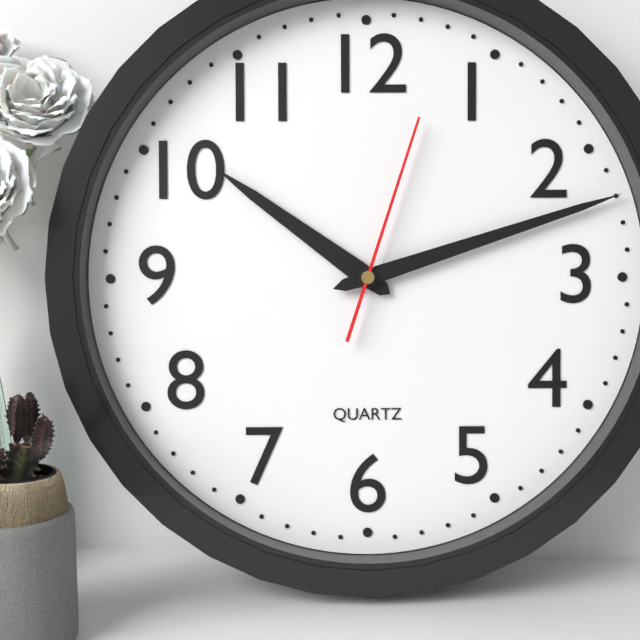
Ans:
h=10 m=12 s=3
